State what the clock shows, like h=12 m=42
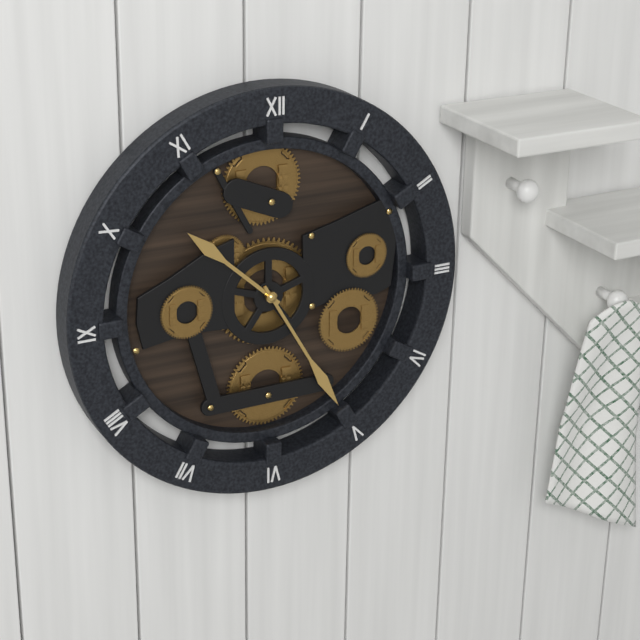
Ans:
h=10 m=25
